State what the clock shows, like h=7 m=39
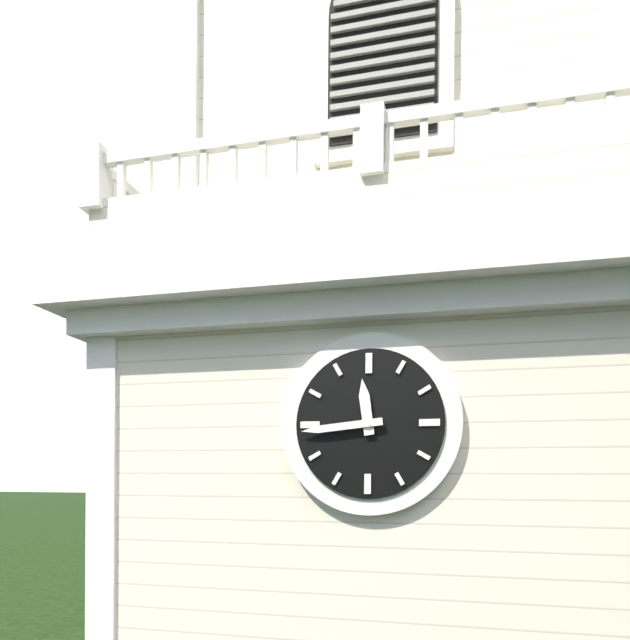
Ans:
h=11 m=44
